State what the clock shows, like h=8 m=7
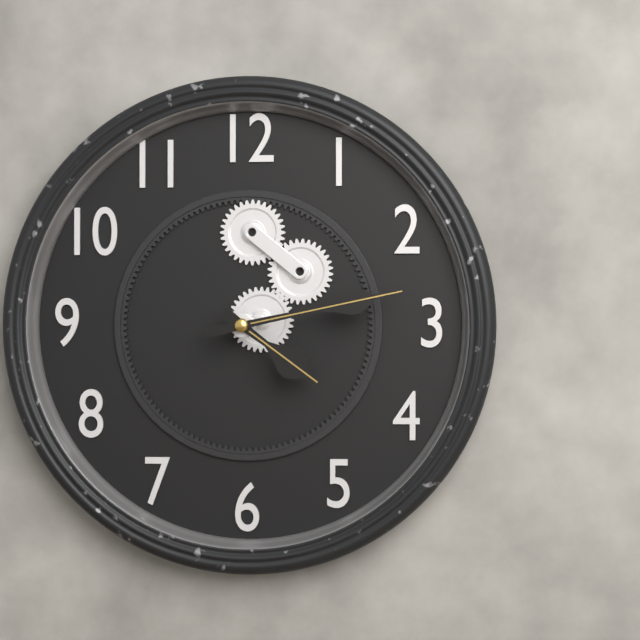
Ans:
h=4 m=13
